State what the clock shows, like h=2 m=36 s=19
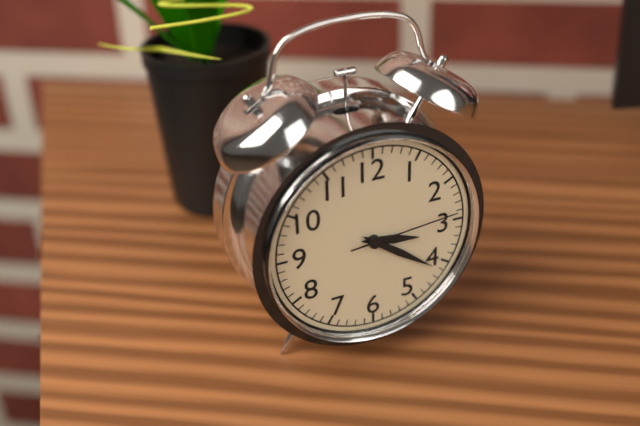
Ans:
h=3 m=21 s=14
